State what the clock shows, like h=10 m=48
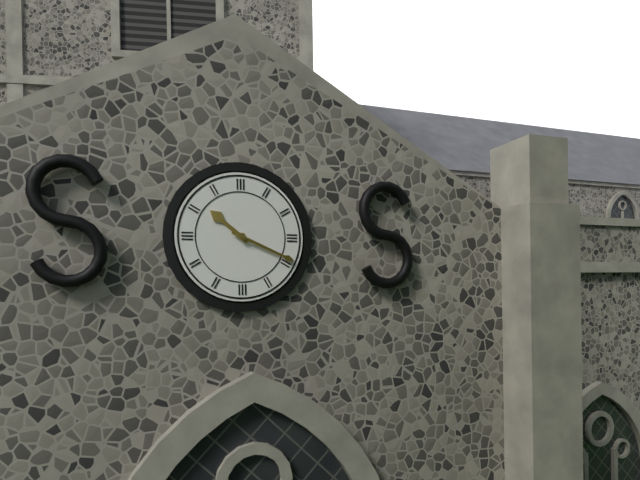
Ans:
h=10 m=19
